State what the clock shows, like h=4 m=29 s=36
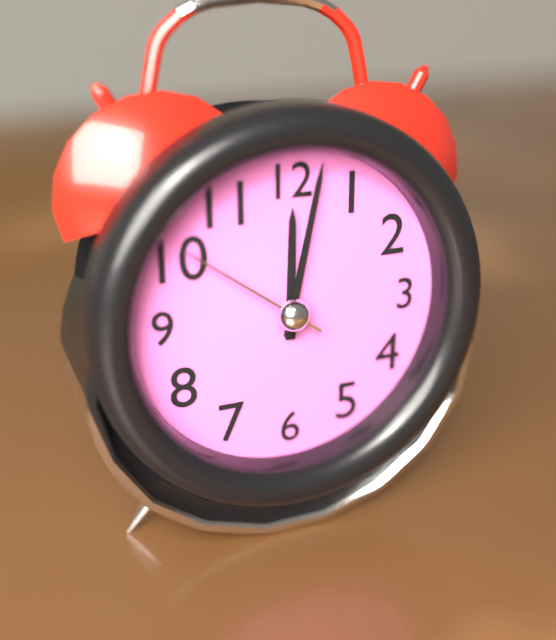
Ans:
h=12 m=2 s=51
